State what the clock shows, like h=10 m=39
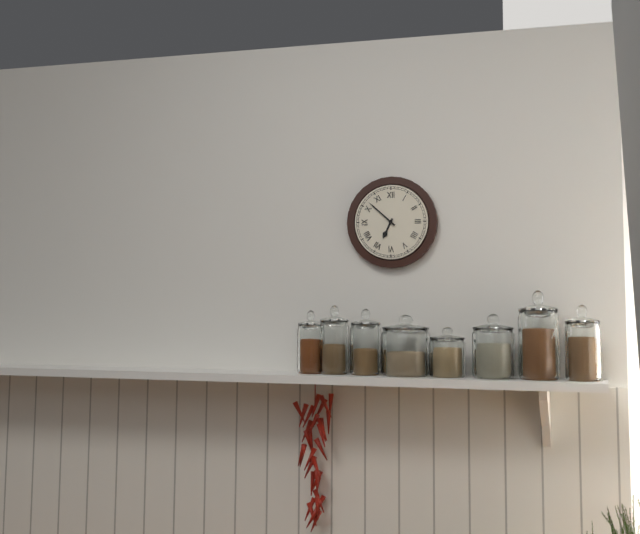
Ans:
h=6 m=52
